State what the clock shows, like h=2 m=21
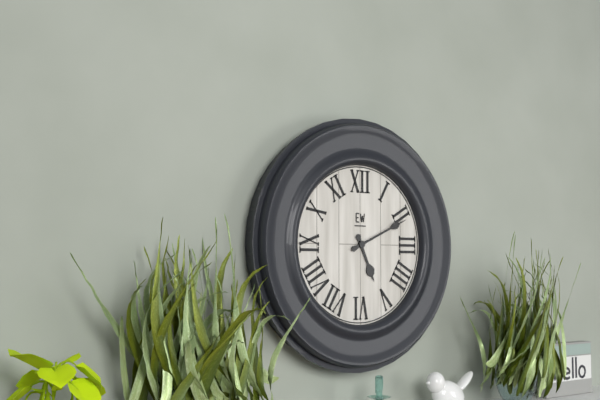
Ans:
h=5 m=11
